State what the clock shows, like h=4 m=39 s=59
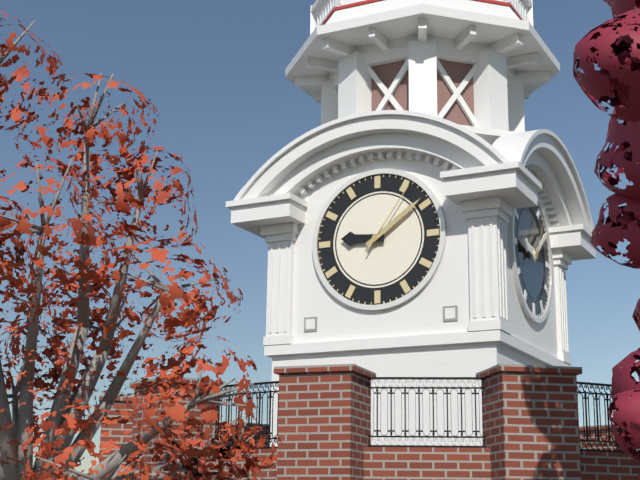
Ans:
h=9 m=9 s=6
